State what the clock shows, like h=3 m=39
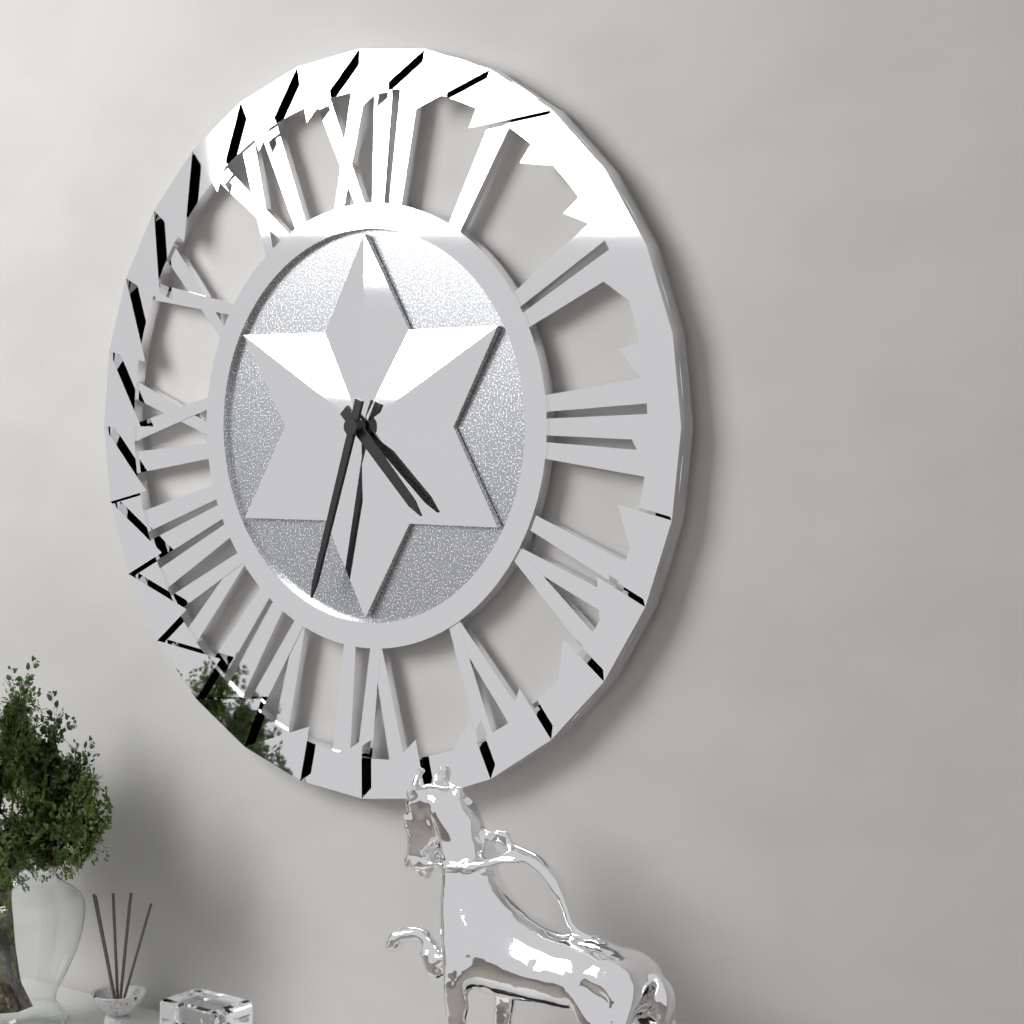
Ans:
h=4 m=33
